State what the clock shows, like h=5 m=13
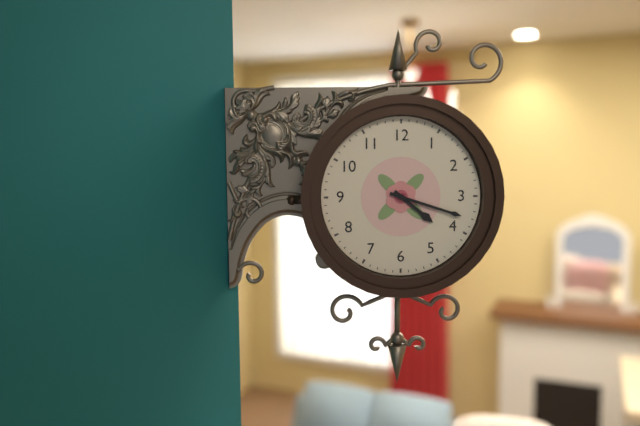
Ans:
h=4 m=18
